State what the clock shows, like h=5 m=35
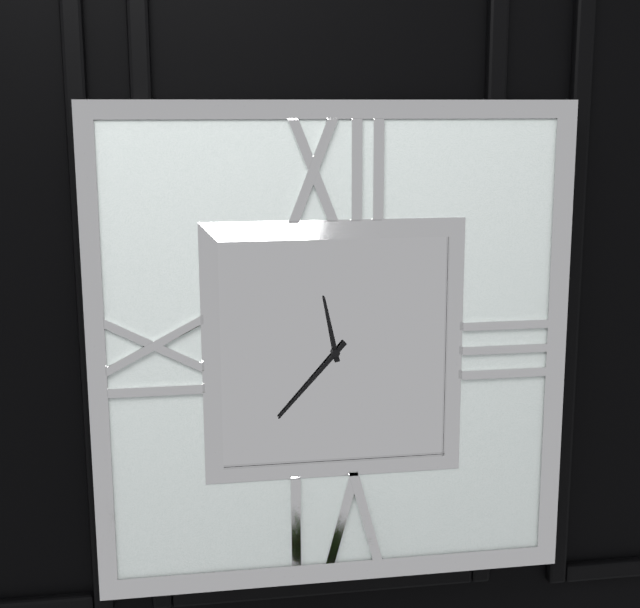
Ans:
h=11 m=37
